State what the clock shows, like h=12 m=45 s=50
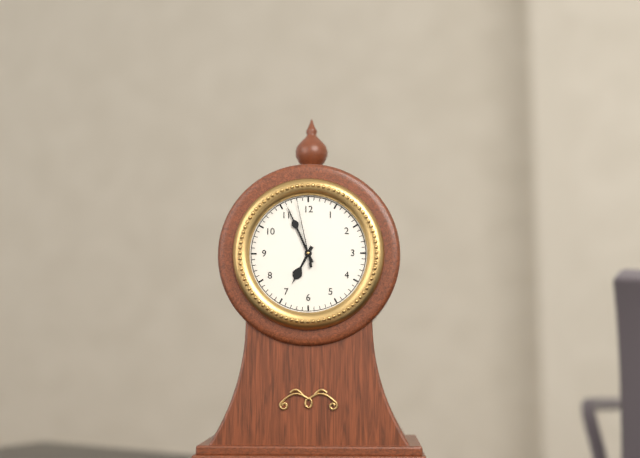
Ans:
h=6 m=56 s=58
